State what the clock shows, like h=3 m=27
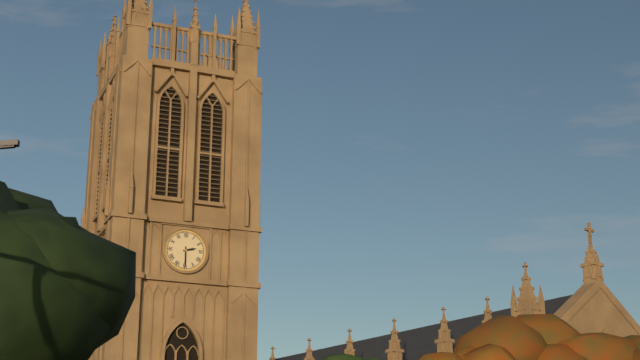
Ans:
h=2 m=30
